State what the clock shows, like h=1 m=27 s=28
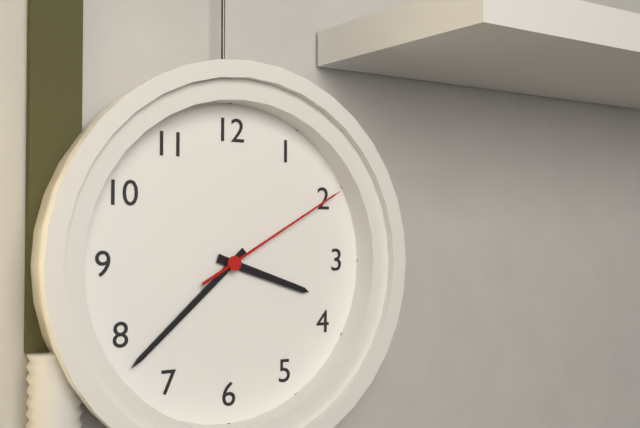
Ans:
h=3 m=38 s=10
